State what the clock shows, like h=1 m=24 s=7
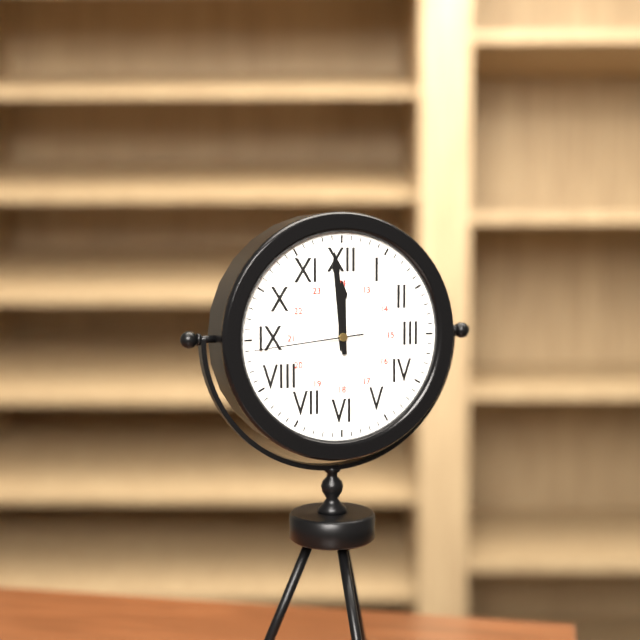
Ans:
h=11 m=59 s=44
